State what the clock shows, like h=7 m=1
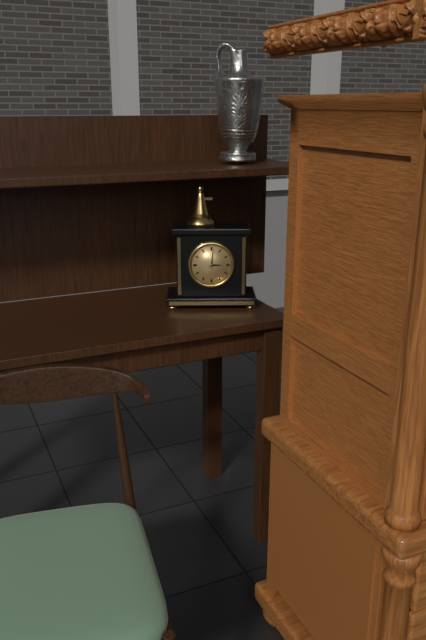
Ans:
h=3 m=1
